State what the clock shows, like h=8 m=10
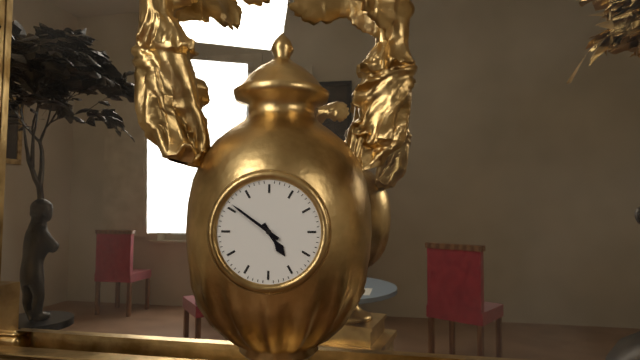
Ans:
h=4 m=51
